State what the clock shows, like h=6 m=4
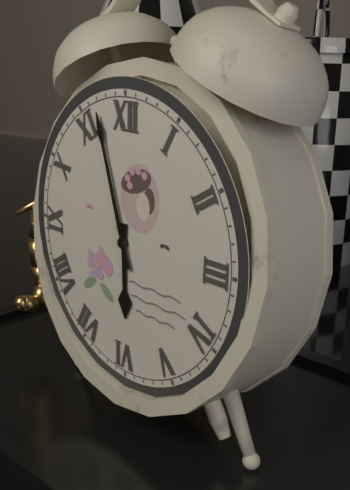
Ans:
h=5 m=57
